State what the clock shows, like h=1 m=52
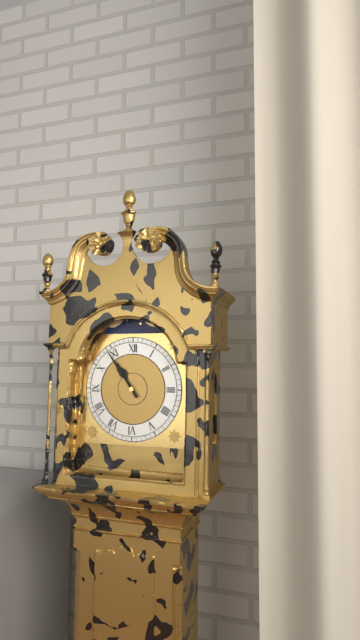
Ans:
h=10 m=54
